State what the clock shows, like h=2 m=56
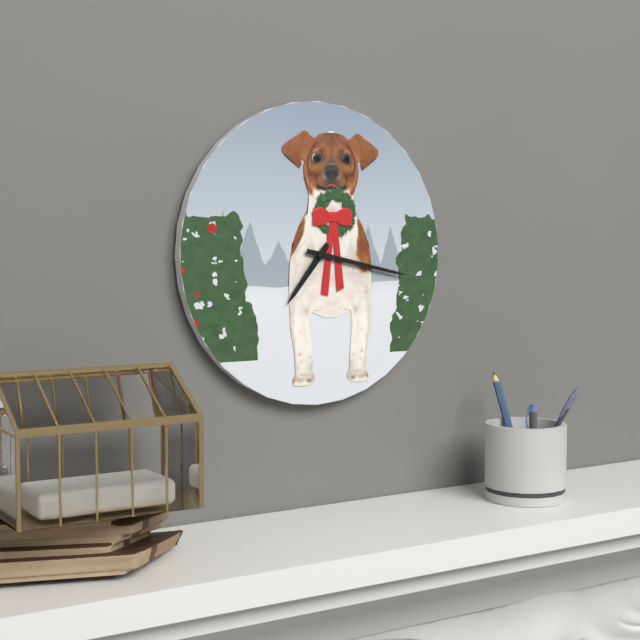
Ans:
h=7 m=17
